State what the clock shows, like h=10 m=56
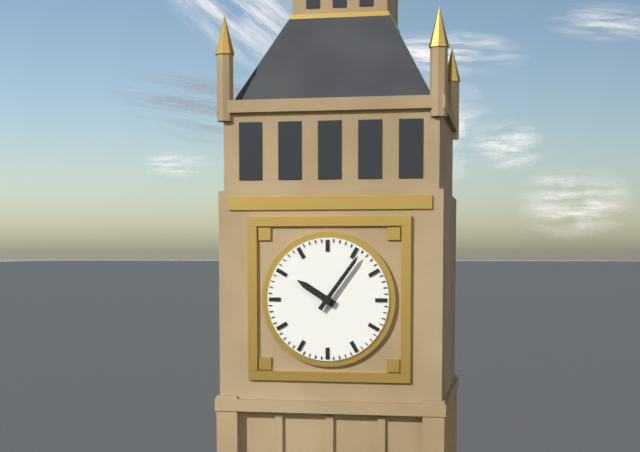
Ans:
h=10 m=6
